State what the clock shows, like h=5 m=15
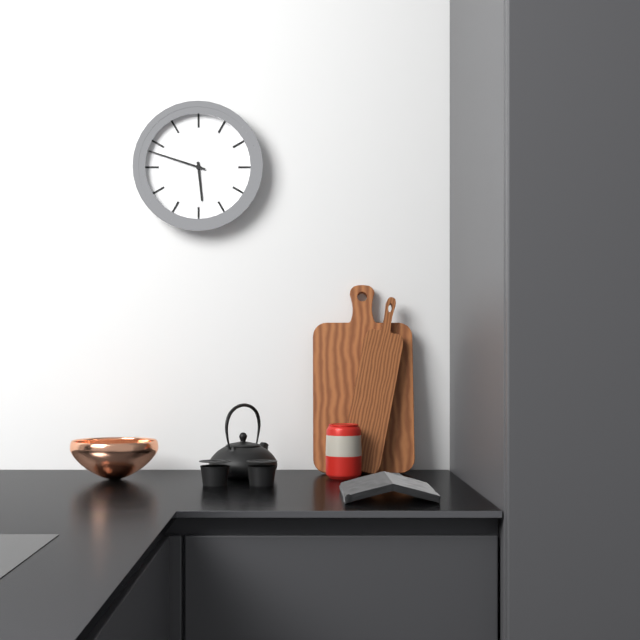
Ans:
h=5 m=48
